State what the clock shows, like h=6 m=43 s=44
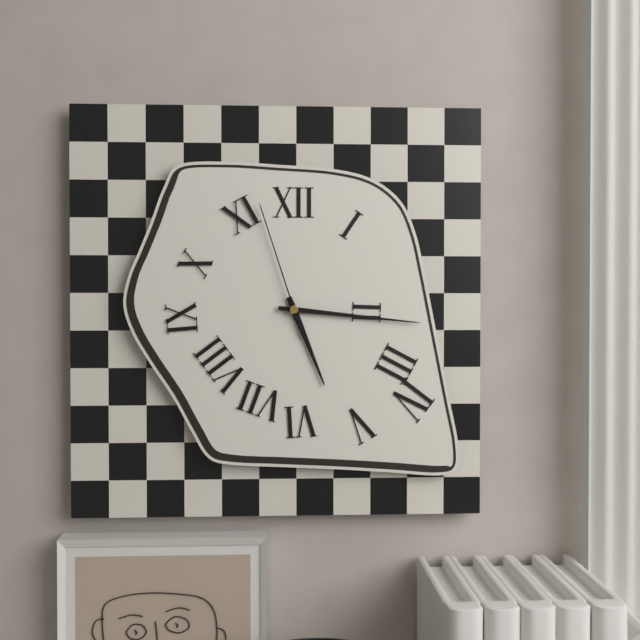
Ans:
h=5 m=16 s=57
